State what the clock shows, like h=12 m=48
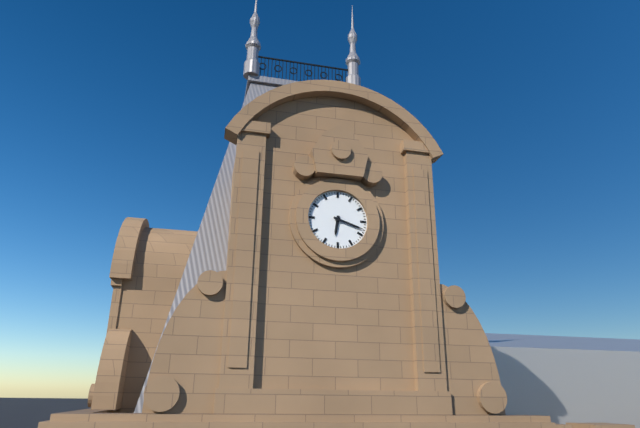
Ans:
h=6 m=18
